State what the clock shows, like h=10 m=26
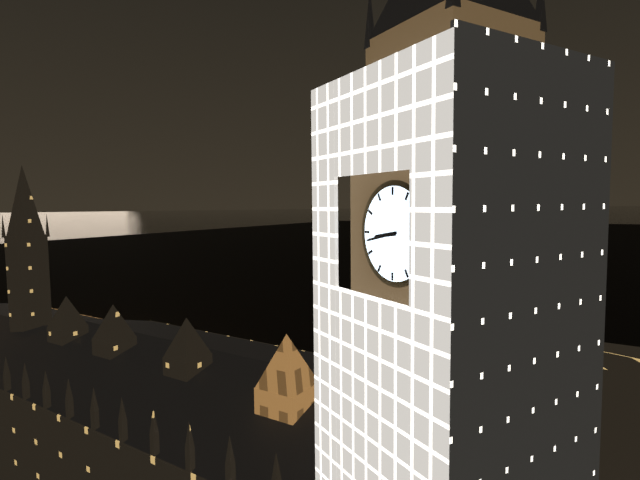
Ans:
h=8 m=43
